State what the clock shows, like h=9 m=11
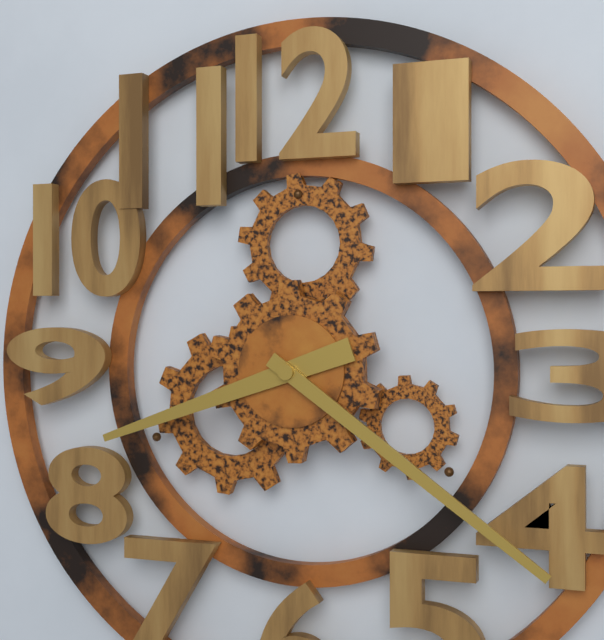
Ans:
h=8 m=21
